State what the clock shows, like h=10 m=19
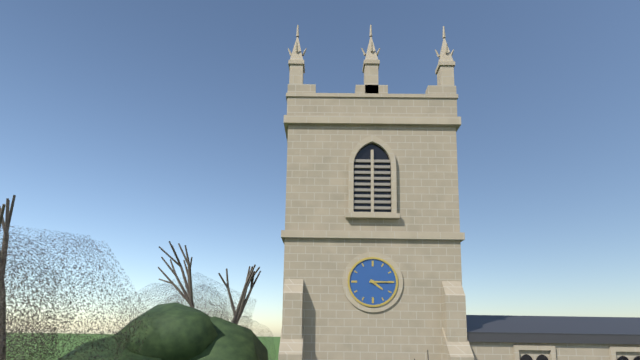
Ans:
h=4 m=15
